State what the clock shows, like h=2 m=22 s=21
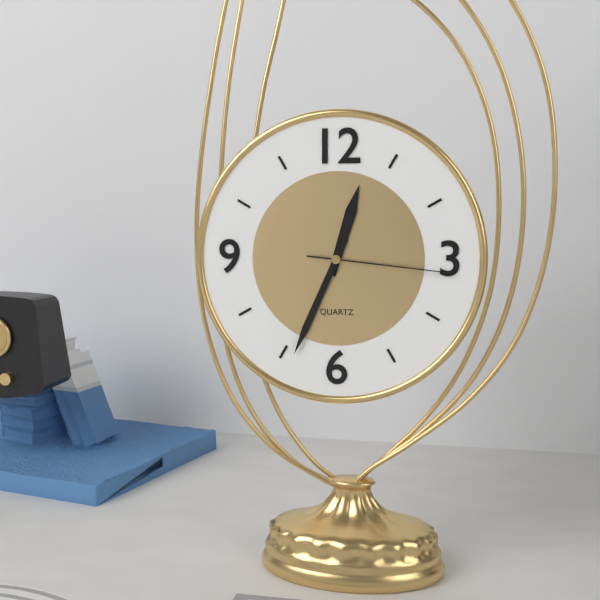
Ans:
h=12 m=34 s=16
